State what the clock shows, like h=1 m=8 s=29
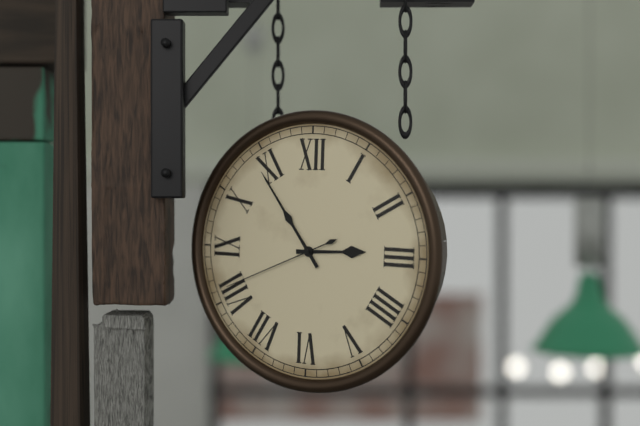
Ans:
h=2 m=54 s=41
